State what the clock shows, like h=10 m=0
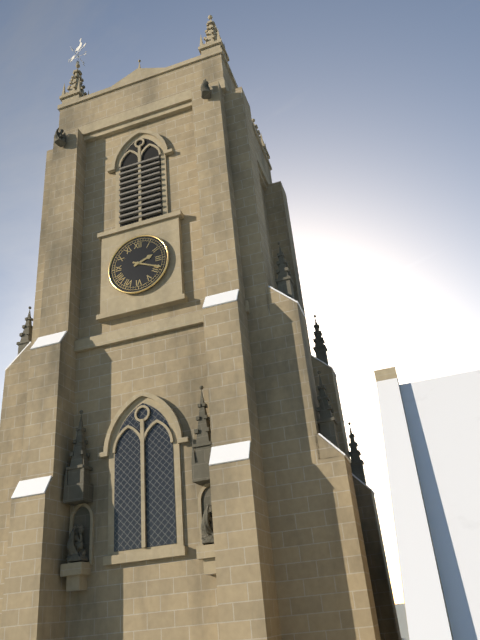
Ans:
h=2 m=19
